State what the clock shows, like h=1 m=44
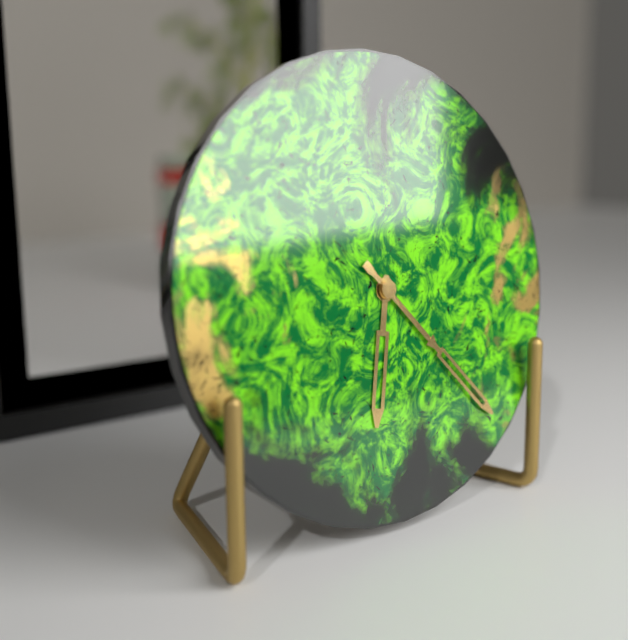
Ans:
h=6 m=23
